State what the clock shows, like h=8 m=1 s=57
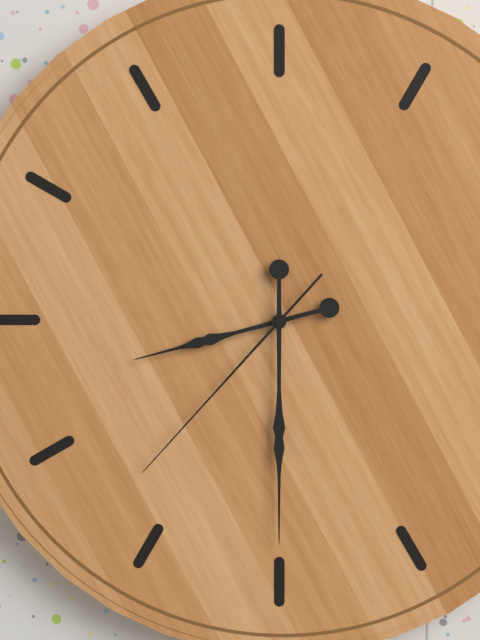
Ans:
h=8 m=30 s=37
